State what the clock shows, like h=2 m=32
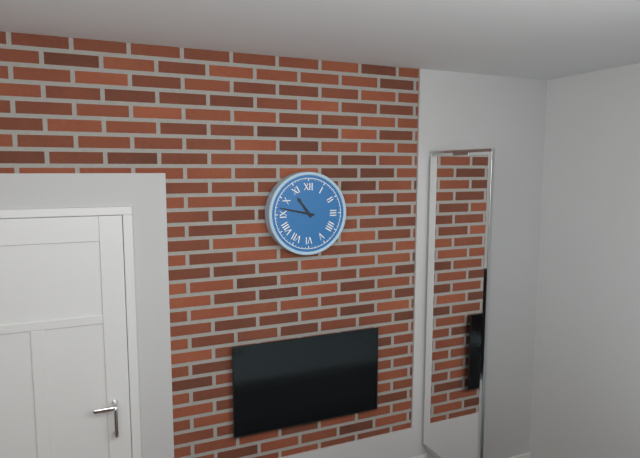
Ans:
h=10 m=47
